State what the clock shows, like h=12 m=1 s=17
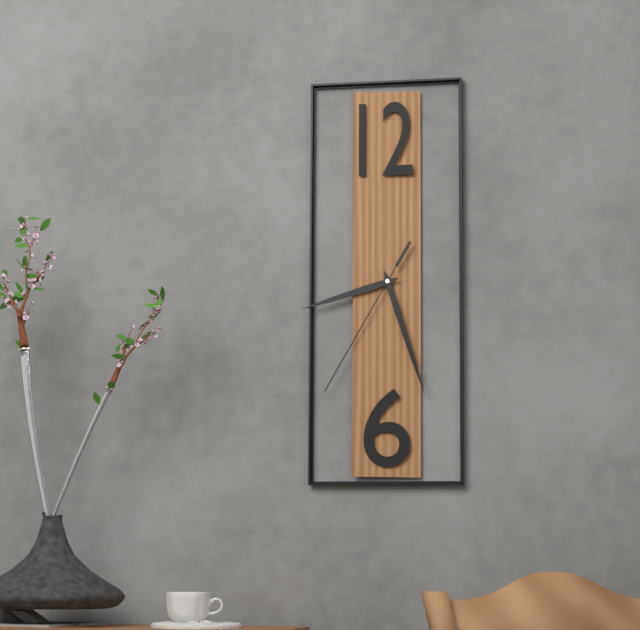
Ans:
h=8 m=27 s=35
